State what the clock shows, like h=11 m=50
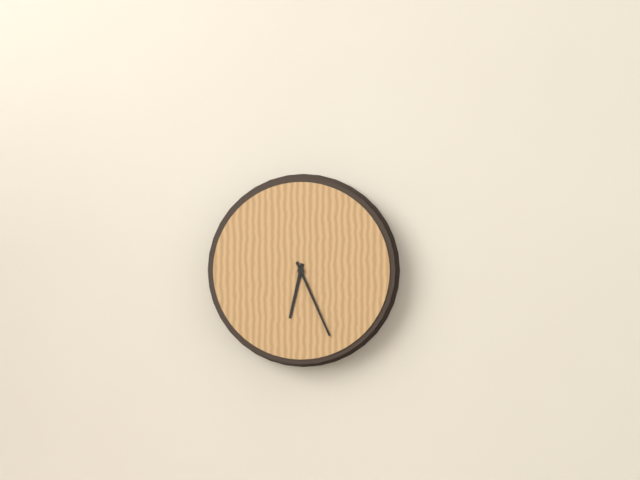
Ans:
h=6 m=26
